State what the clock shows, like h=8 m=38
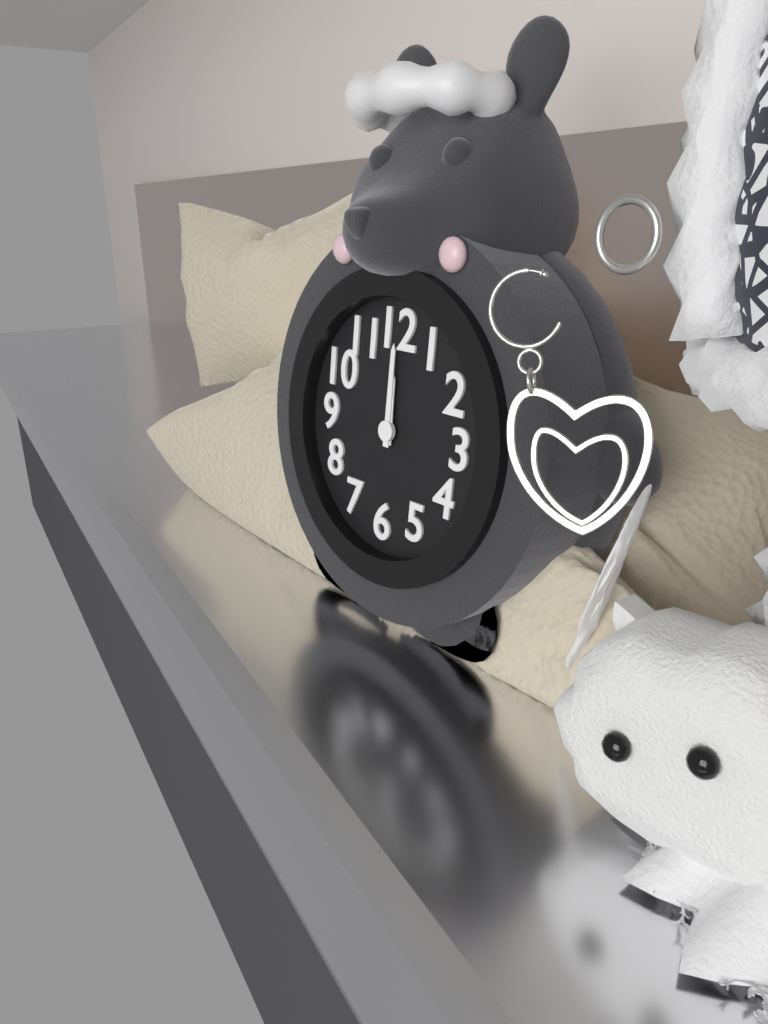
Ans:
h=12 m=0
